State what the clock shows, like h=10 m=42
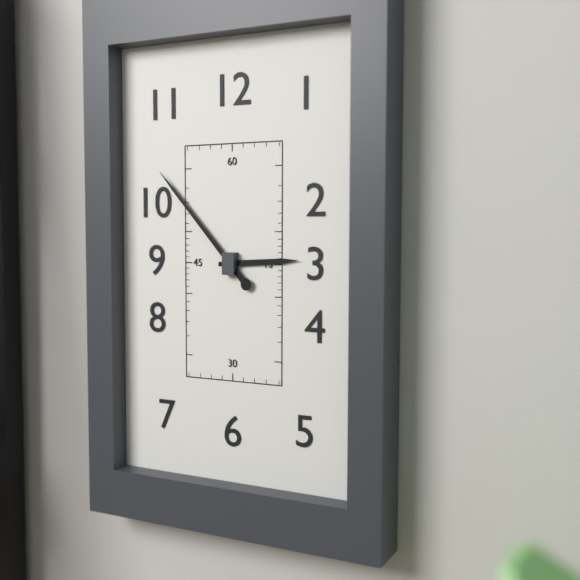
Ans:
h=2 m=53
